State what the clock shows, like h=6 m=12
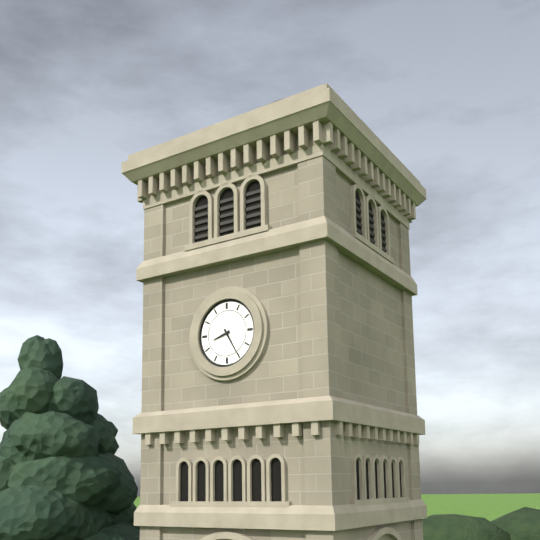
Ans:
h=8 m=25
